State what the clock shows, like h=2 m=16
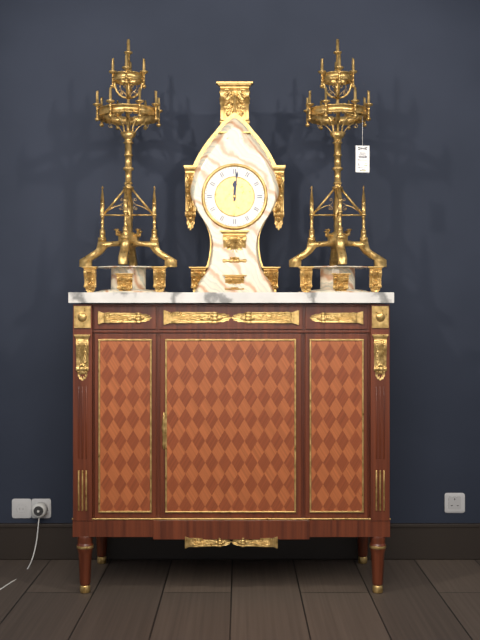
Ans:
h=12 m=1
